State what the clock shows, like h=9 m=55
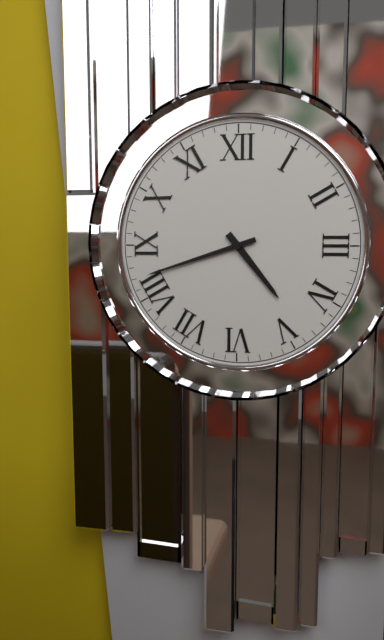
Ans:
h=4 m=42
